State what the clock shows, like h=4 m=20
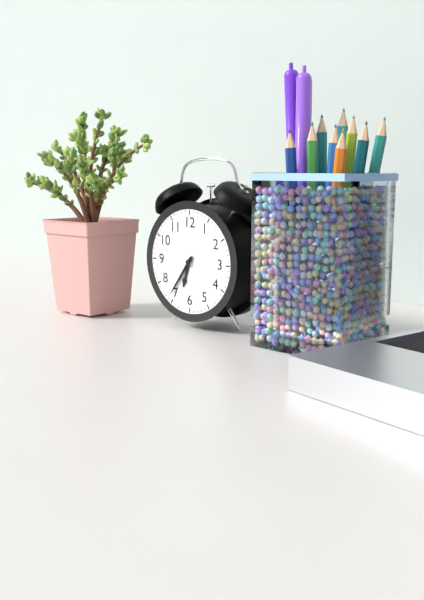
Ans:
h=6 m=36
